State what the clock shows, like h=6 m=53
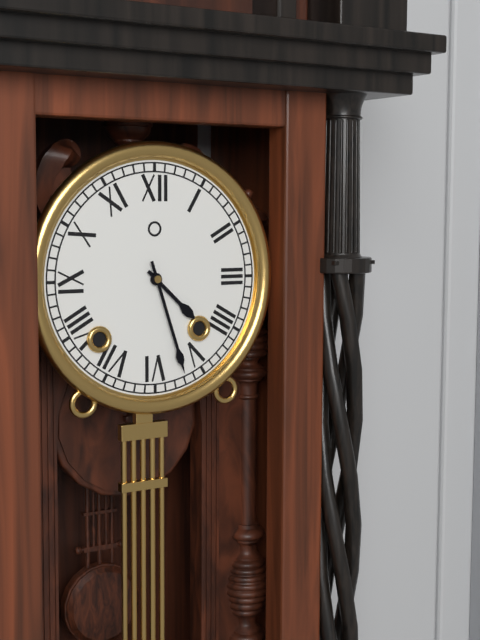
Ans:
h=4 m=27
